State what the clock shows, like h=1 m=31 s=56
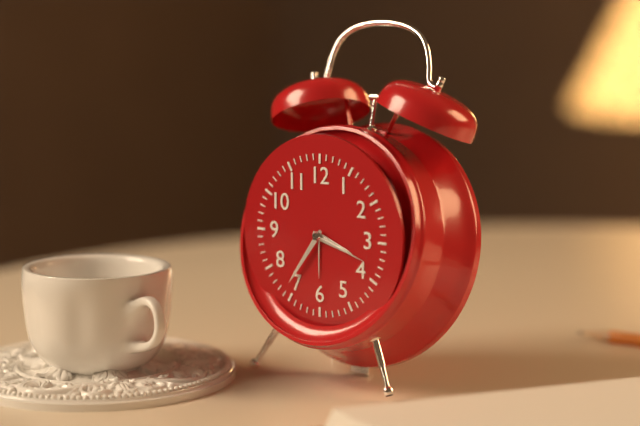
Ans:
h=3 m=36 s=18
